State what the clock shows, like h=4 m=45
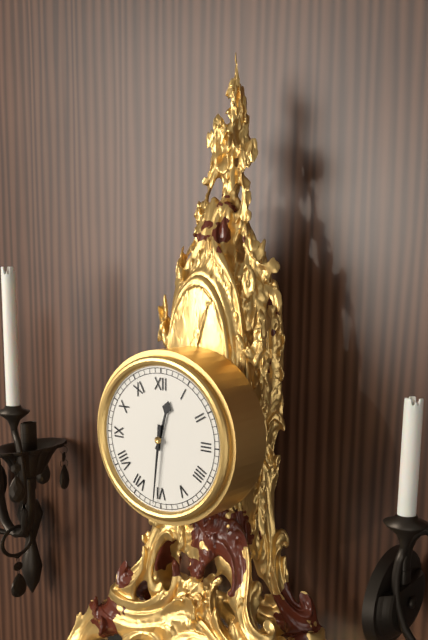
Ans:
h=12 m=31
